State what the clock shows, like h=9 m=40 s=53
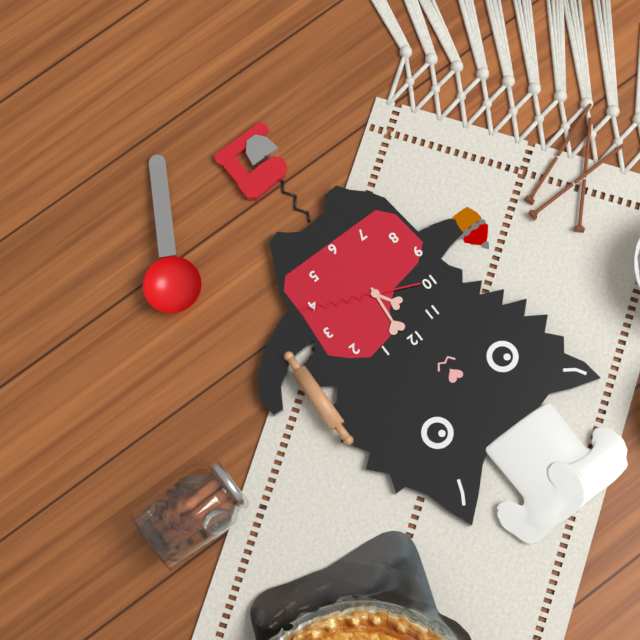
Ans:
h=11 m=1 s=19
